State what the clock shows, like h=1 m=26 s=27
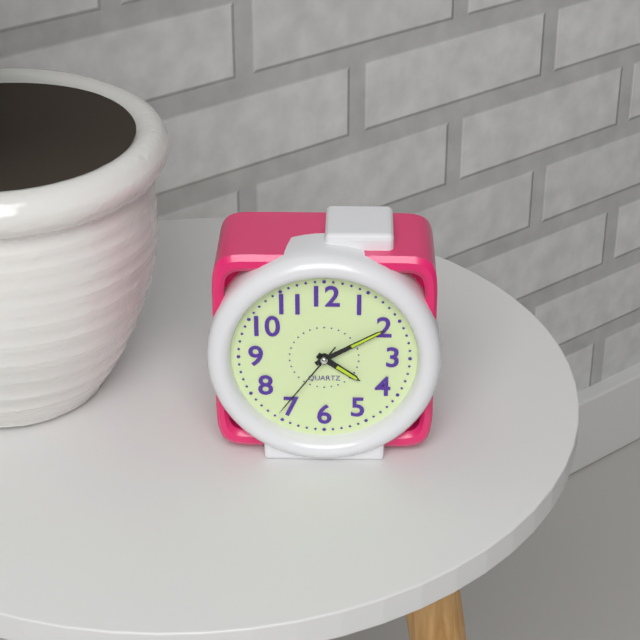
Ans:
h=4 m=10 s=36
